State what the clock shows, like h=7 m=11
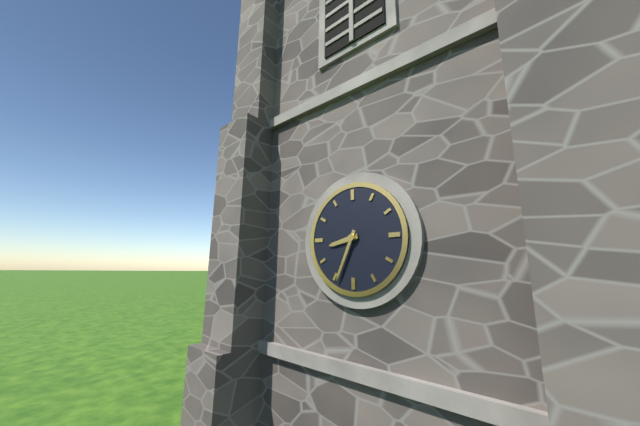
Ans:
h=8 m=34
